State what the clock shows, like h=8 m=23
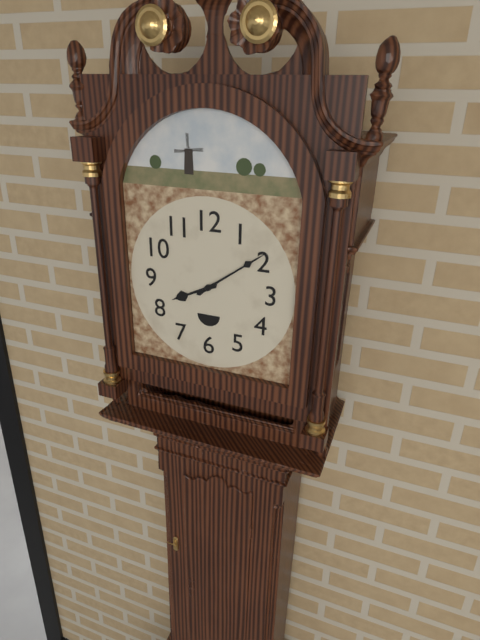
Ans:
h=8 m=9
